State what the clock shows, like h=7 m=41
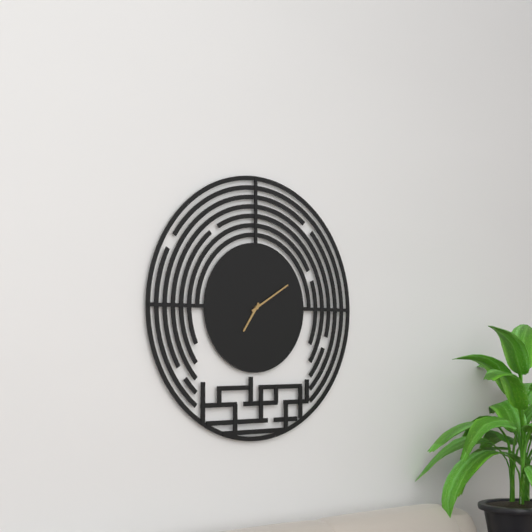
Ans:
h=7 m=10
